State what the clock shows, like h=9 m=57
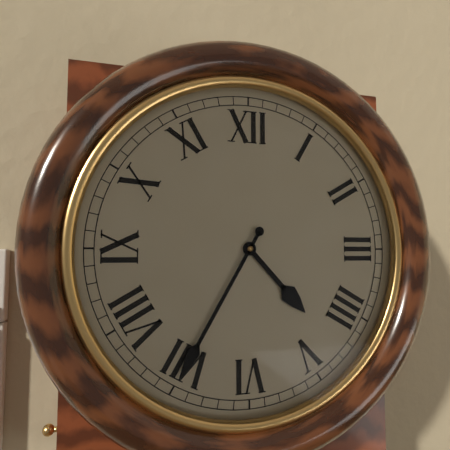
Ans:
h=4 m=35
